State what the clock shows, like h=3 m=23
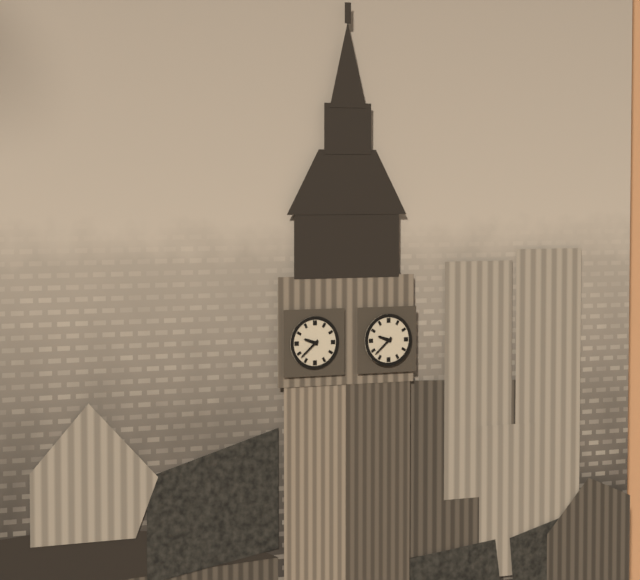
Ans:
h=9 m=38
